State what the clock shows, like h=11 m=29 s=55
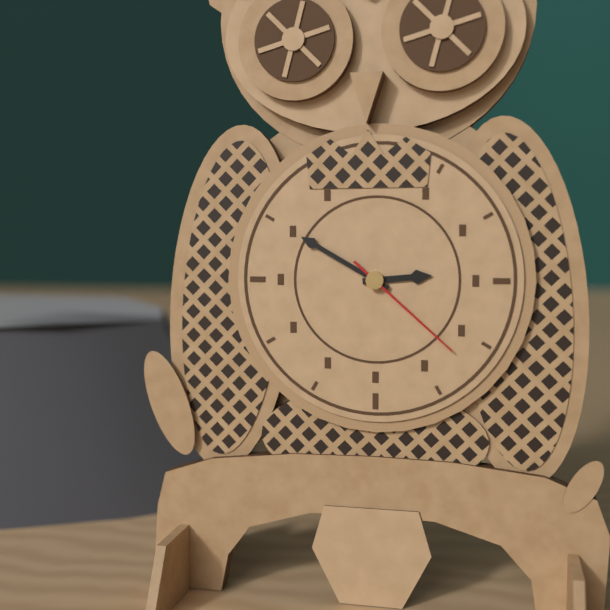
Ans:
h=2 m=50 s=22
